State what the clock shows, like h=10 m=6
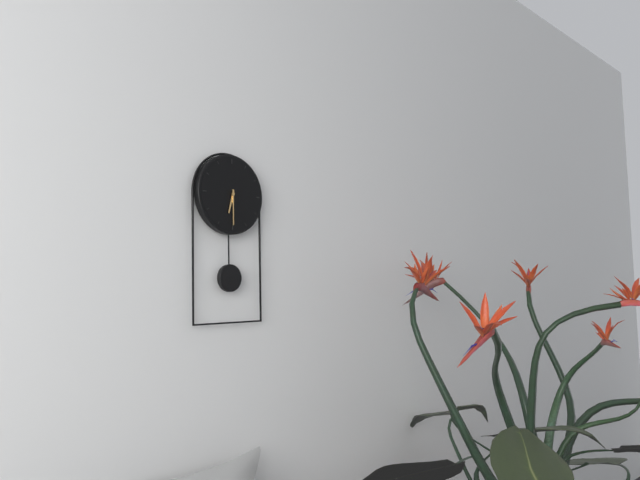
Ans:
h=6 m=30
